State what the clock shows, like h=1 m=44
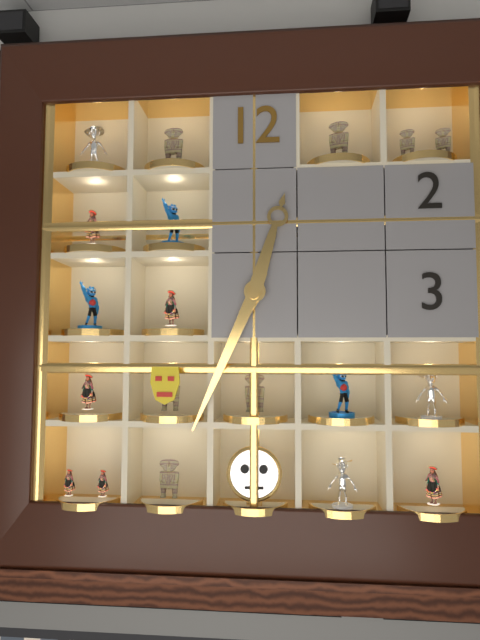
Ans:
h=12 m=34
